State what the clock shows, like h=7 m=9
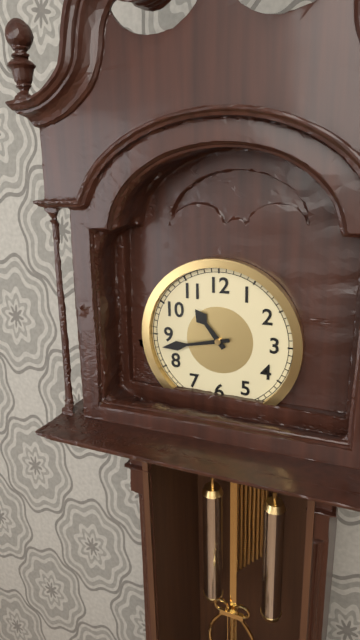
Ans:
h=10 m=43
